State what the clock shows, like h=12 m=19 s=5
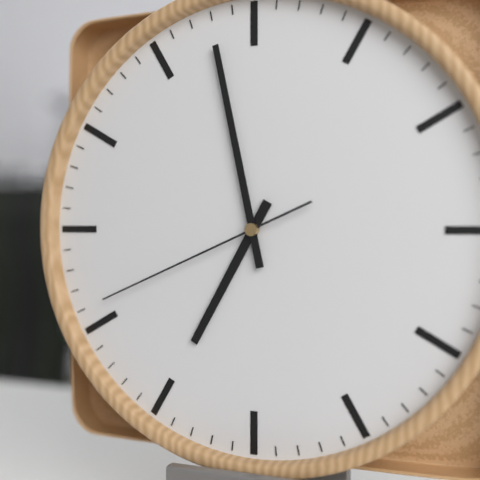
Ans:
h=6 m=58 s=41
